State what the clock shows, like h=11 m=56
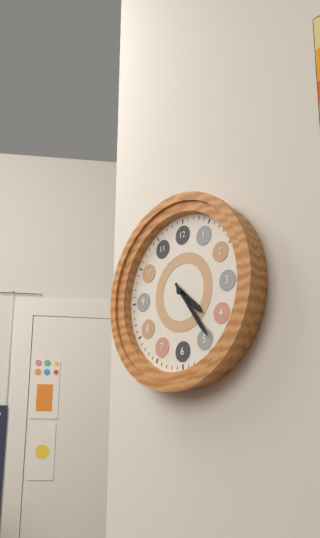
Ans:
h=4 m=24
